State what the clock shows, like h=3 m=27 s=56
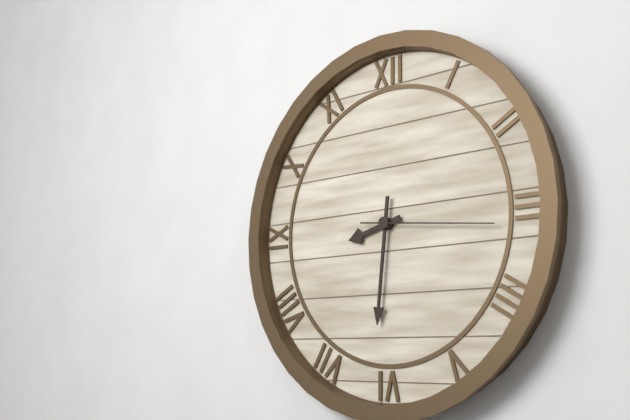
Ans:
h=8 m=31 s=16
